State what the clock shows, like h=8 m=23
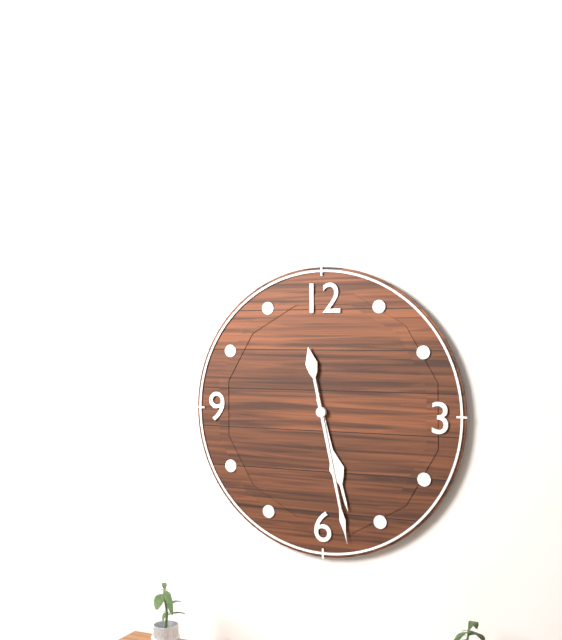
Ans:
h=5 m=28
